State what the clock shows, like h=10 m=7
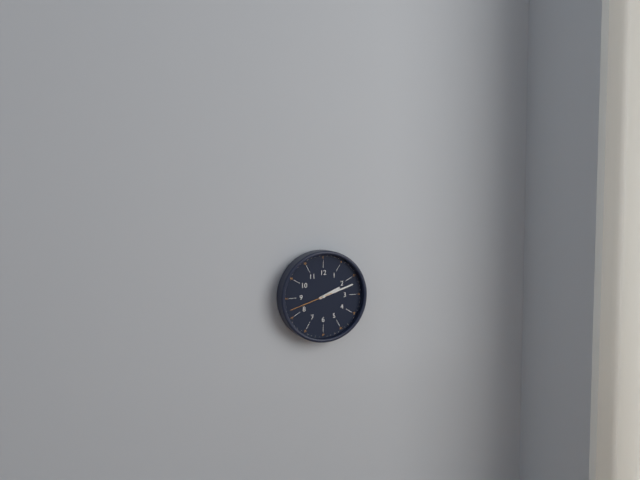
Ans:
h=2 m=12
